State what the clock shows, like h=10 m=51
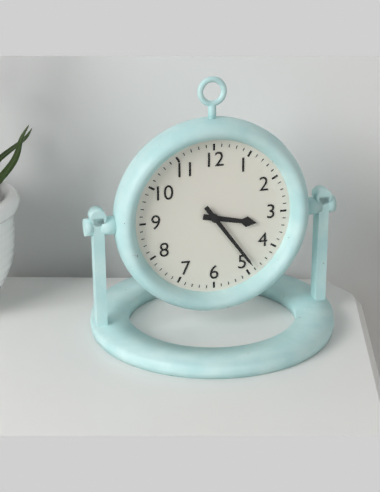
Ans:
h=3 m=24
